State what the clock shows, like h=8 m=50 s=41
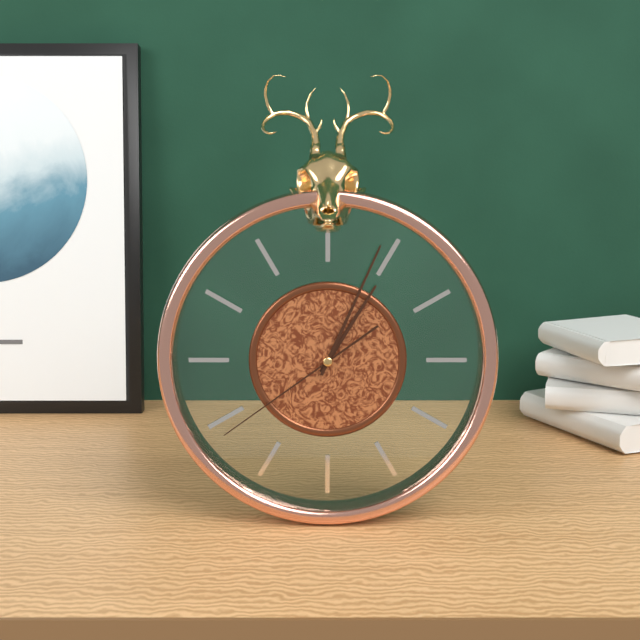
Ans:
h=1 m=4 s=39
